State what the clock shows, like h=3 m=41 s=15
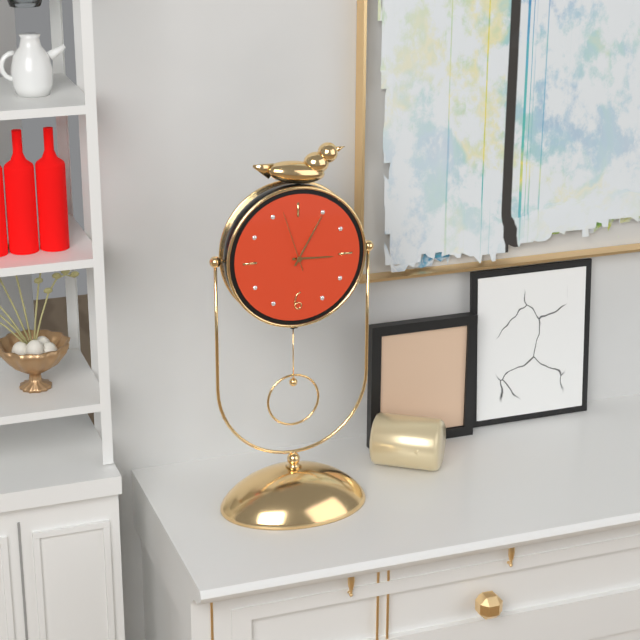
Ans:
h=3 m=5 s=57
